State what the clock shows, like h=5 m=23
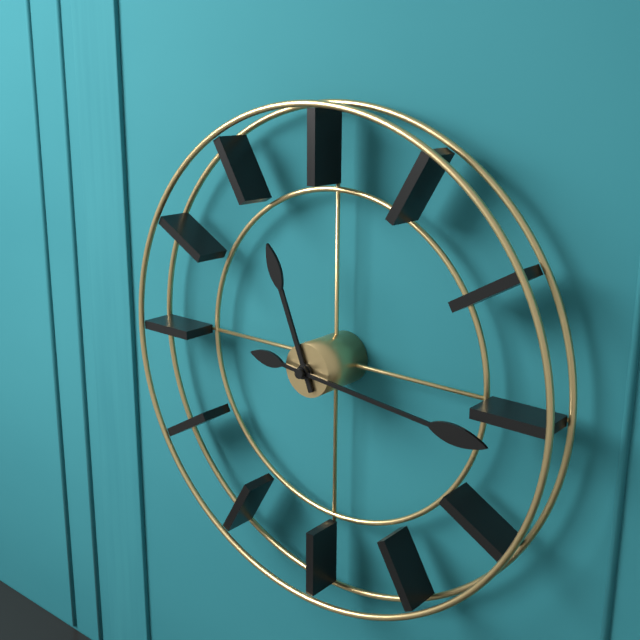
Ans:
h=11 m=16
